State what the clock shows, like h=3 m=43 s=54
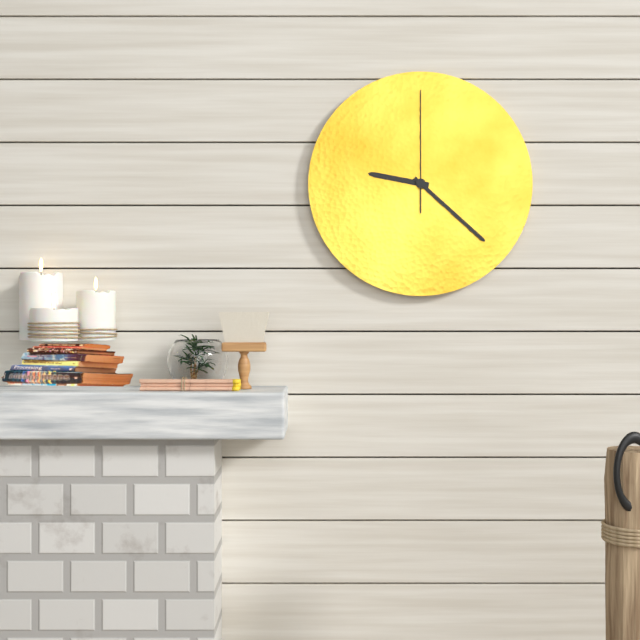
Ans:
h=9 m=22 s=0
